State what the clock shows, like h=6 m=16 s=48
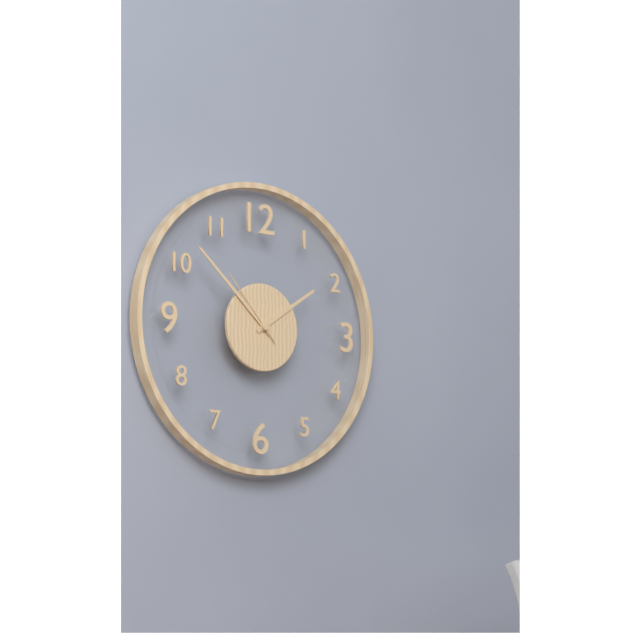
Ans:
h=1 m=52 s=53
